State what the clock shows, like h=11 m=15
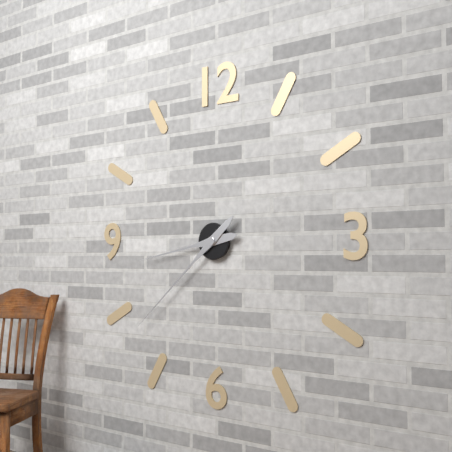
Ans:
h=8 m=38
